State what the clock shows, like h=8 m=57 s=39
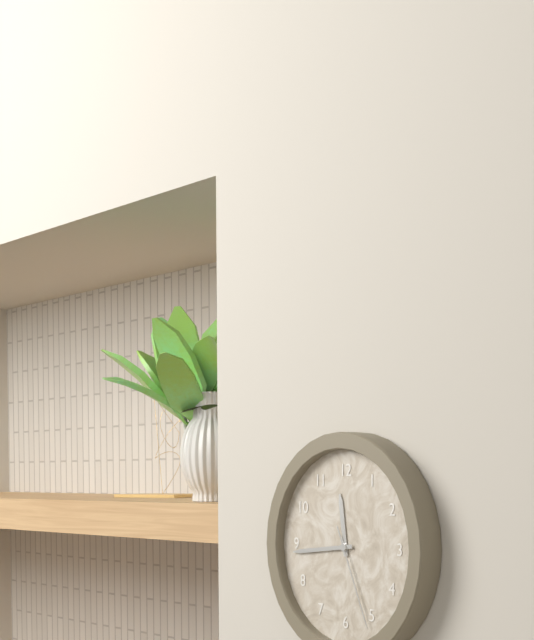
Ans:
h=11 m=44 s=26
